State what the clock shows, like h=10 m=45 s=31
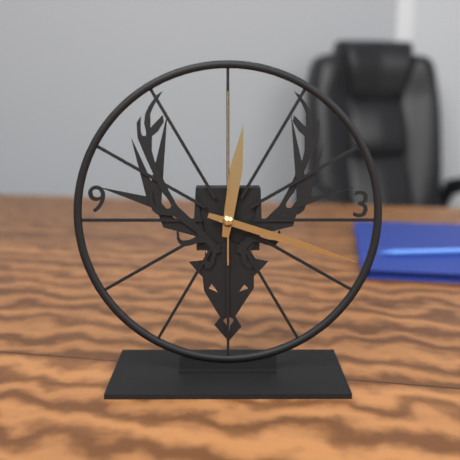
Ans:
h=12 m=18 s=0
